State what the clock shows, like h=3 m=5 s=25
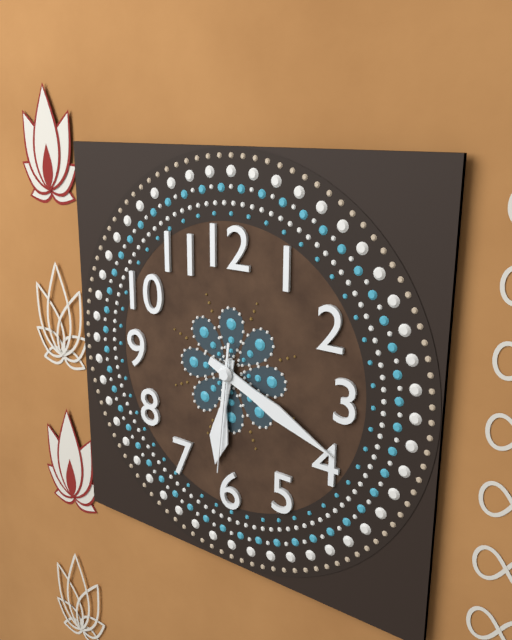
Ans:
h=6 m=19 s=31
